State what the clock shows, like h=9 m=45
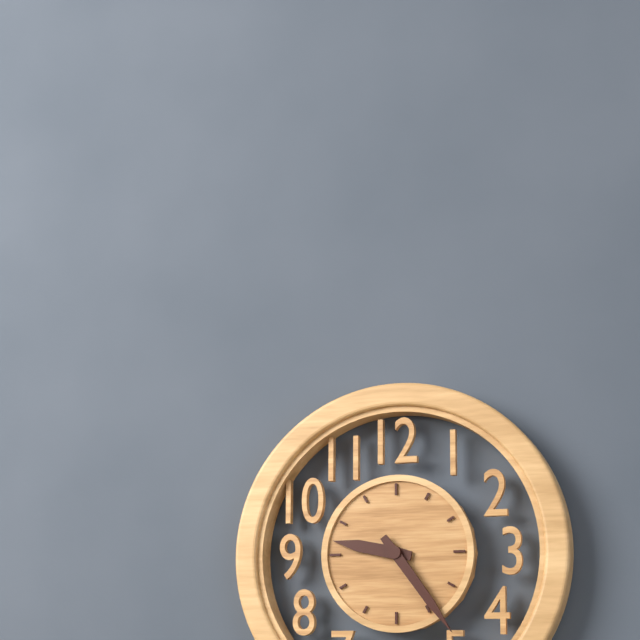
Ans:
h=9 m=24
